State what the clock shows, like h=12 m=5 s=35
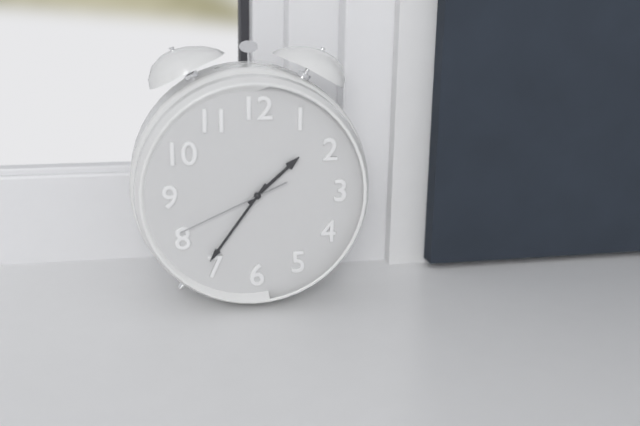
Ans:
h=1 m=36 s=41
